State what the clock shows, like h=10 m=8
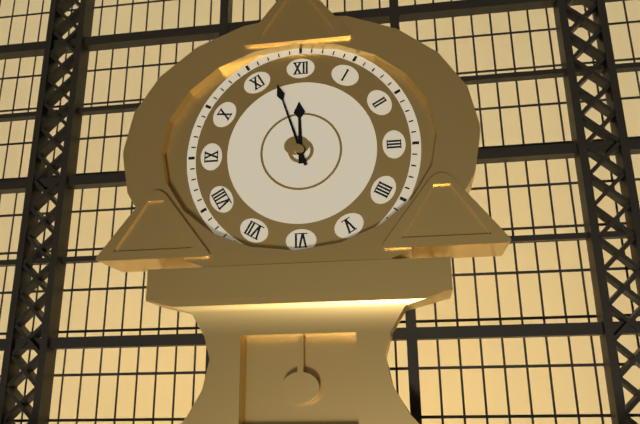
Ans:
h=11 m=57
